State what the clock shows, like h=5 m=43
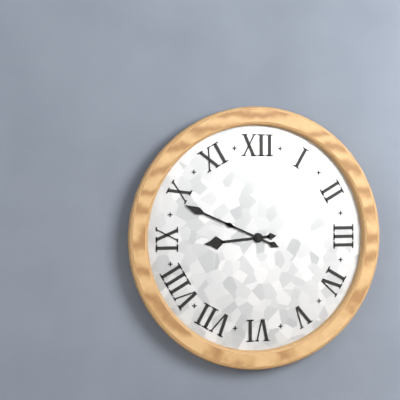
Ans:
h=8 m=49
